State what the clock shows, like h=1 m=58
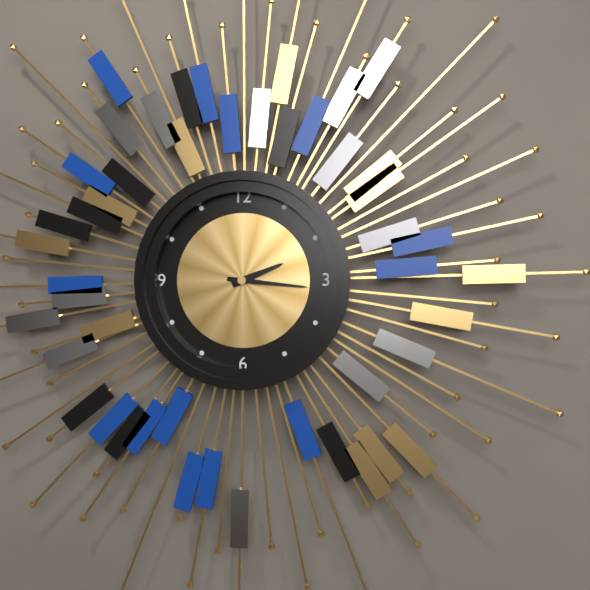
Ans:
h=2 m=16
